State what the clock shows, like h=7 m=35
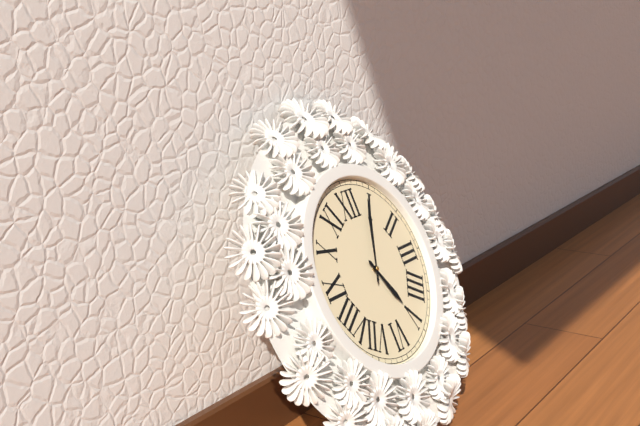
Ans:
h=5 m=4
